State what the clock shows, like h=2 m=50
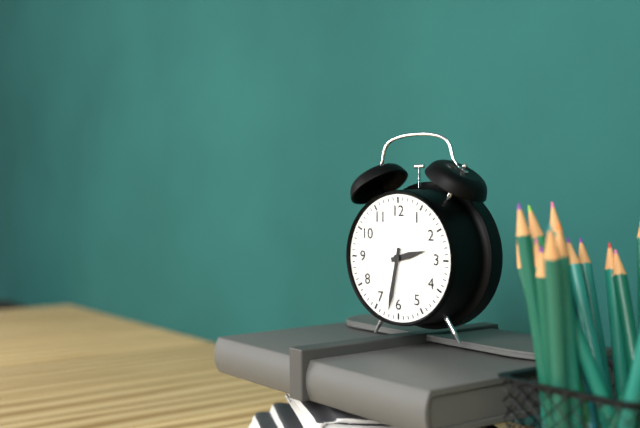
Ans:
h=2 m=32
